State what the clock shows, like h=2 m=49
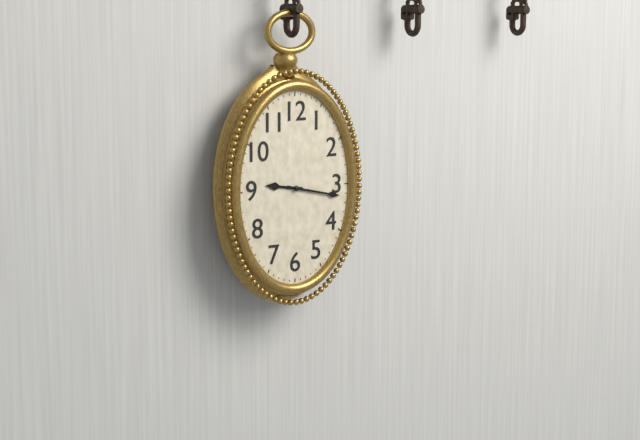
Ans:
h=9 m=17
